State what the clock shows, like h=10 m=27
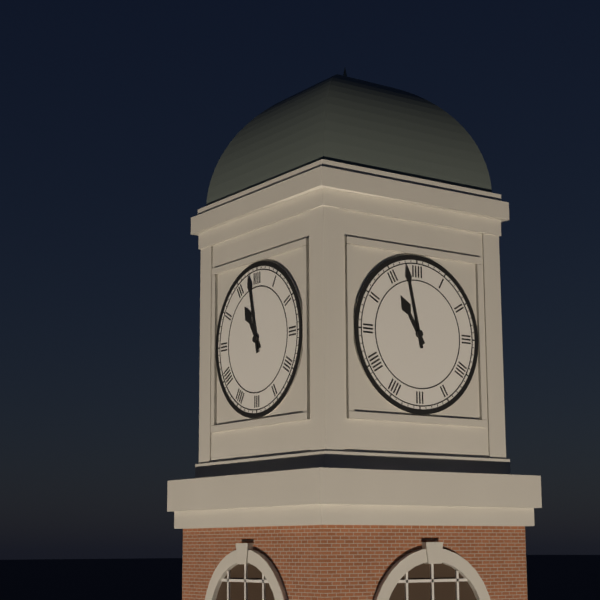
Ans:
h=10 m=58
